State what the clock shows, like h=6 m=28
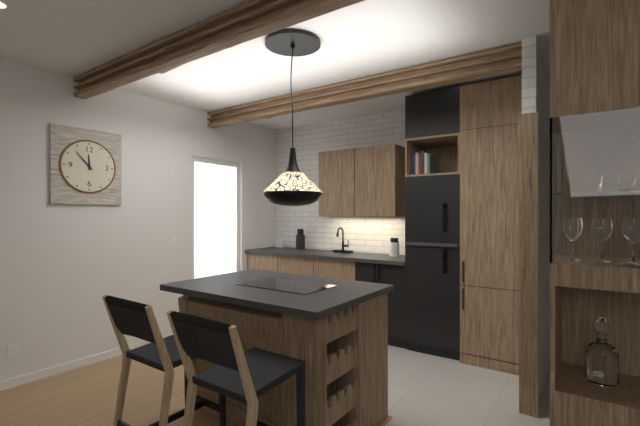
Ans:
h=11 m=53
